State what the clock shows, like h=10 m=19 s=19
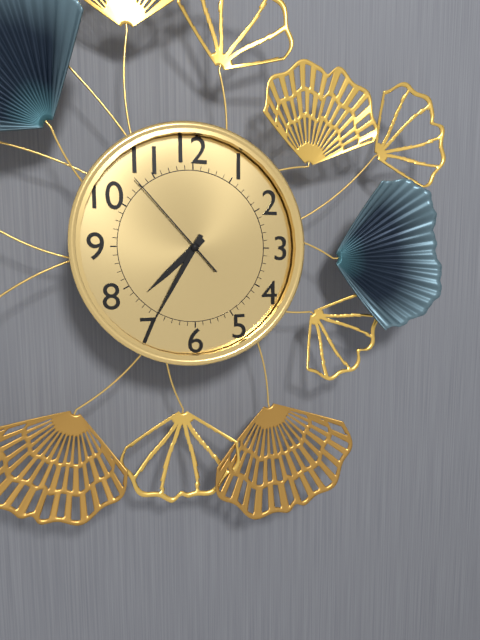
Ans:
h=7 m=35 s=53
